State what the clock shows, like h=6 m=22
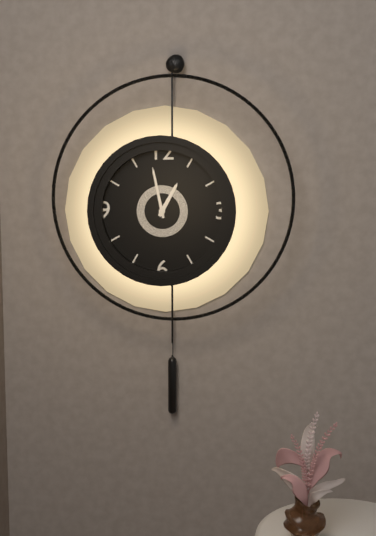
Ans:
h=12 m=58
